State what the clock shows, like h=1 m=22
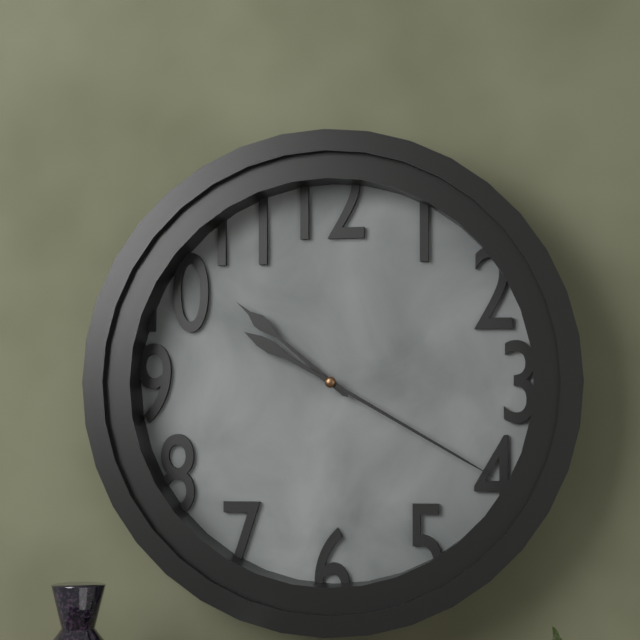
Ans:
h=10 m=20
